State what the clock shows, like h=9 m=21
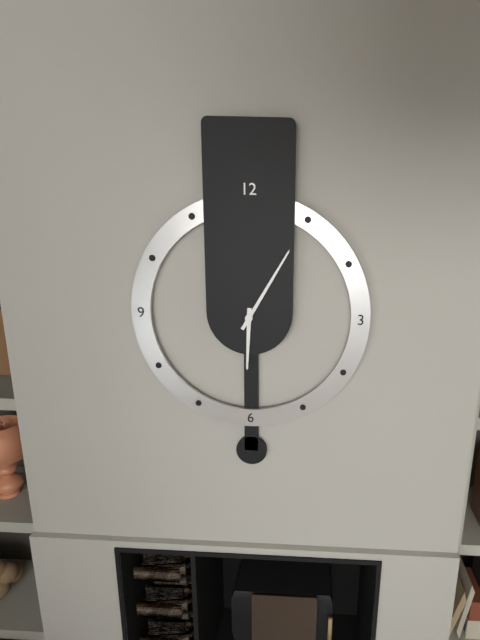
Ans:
h=6 m=5
